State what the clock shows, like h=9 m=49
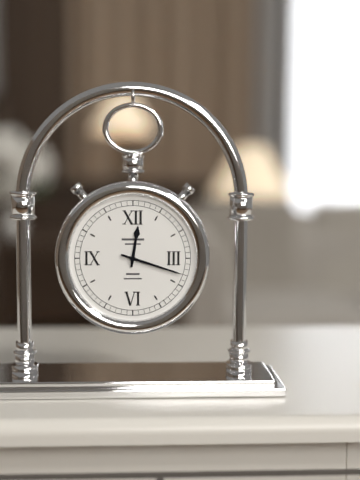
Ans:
h=12 m=18
